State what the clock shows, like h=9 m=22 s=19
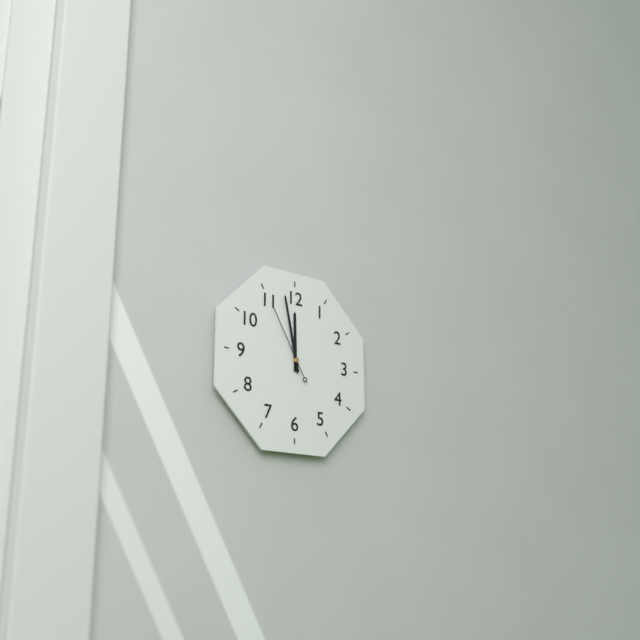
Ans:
h=11 m=58 s=55
